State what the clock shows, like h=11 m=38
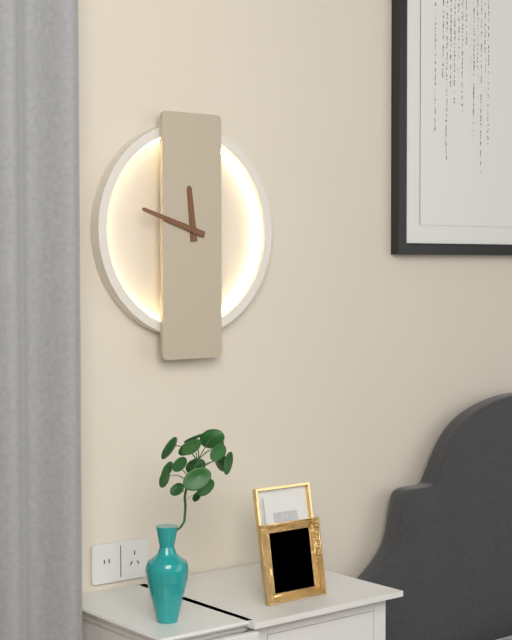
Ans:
h=11 m=48
